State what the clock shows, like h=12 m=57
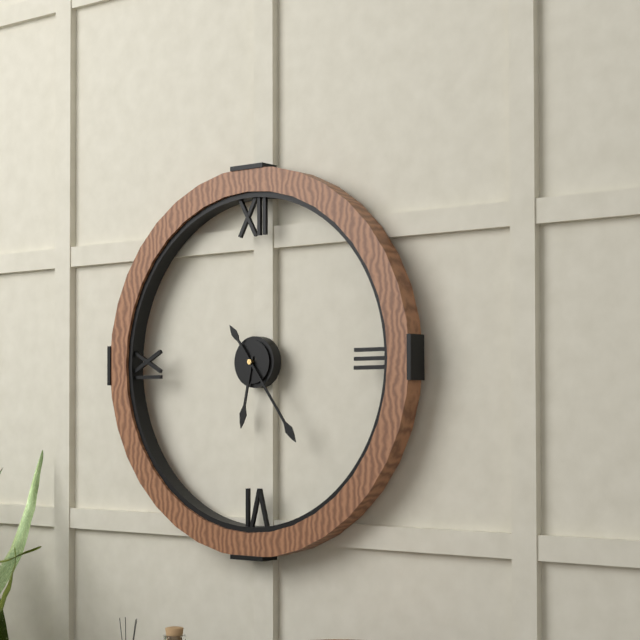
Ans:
h=6 m=24
